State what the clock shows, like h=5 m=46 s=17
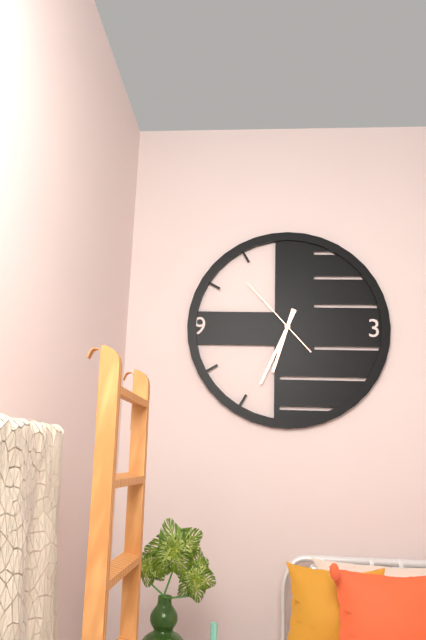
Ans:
h=6 m=34 s=53
